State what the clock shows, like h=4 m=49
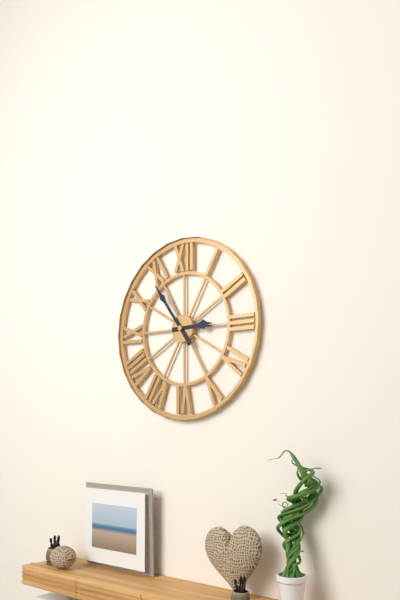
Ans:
h=2 m=54
